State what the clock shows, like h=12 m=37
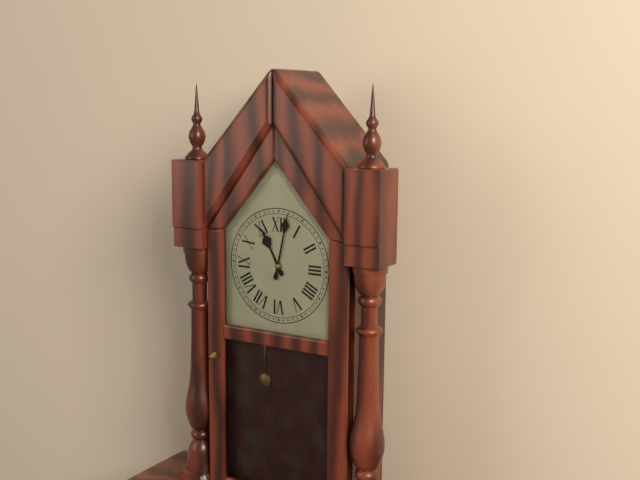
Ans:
h=11 m=2
